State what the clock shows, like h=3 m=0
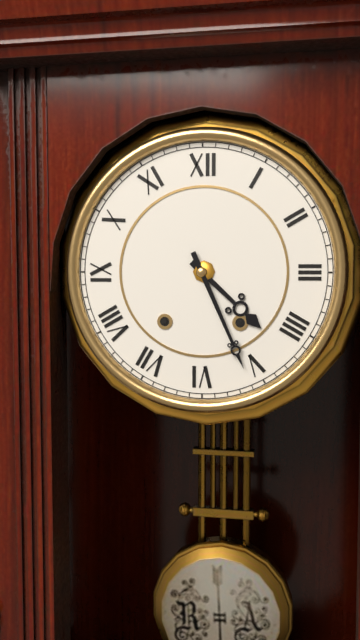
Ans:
h=4 m=26
